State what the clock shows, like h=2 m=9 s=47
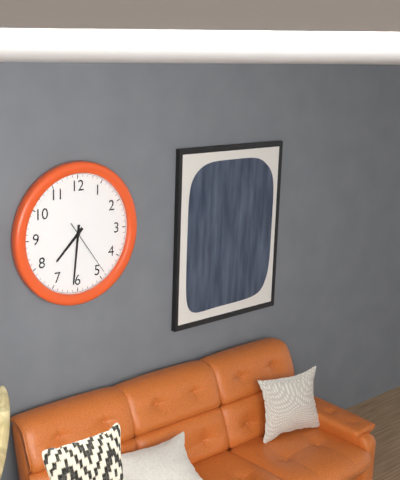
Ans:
h=7 m=31 s=24
